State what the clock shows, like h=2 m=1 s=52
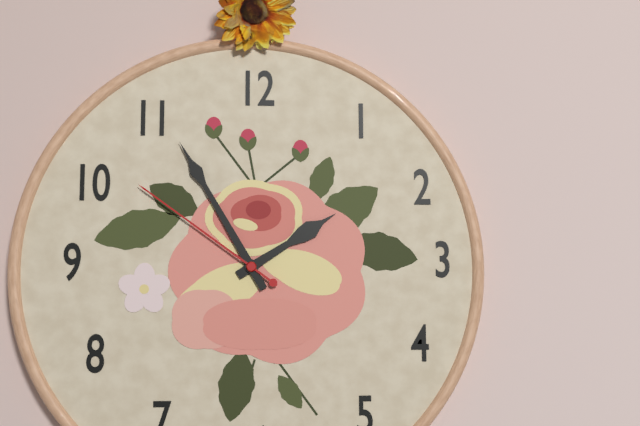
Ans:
h=1 m=55 s=51
